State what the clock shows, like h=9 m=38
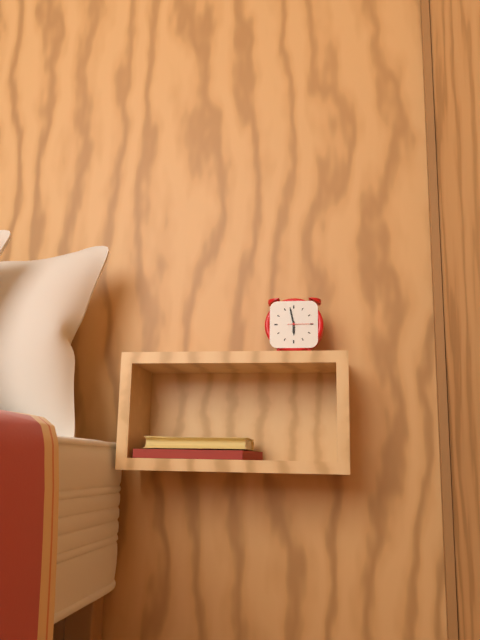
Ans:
h=5 m=58
